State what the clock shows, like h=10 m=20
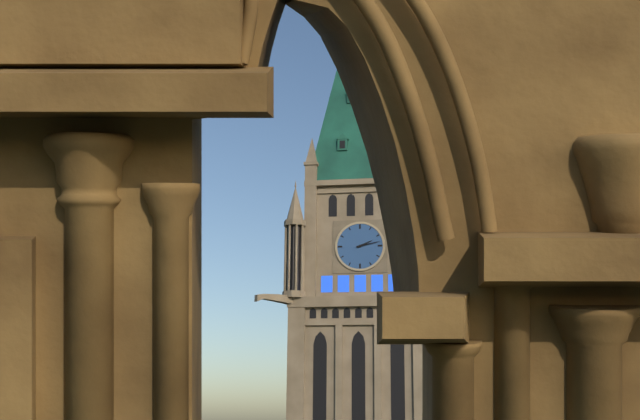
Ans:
h=2 m=13
